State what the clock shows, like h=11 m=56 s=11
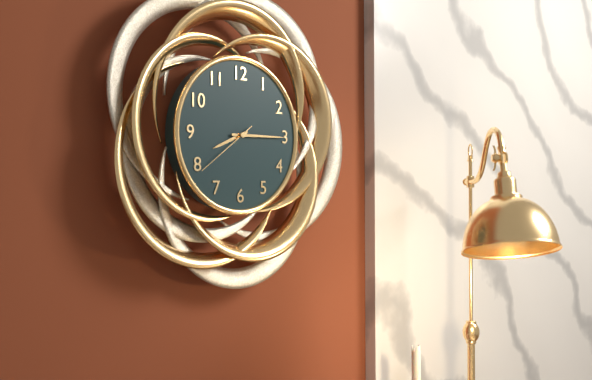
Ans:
h=8 m=15 s=39
